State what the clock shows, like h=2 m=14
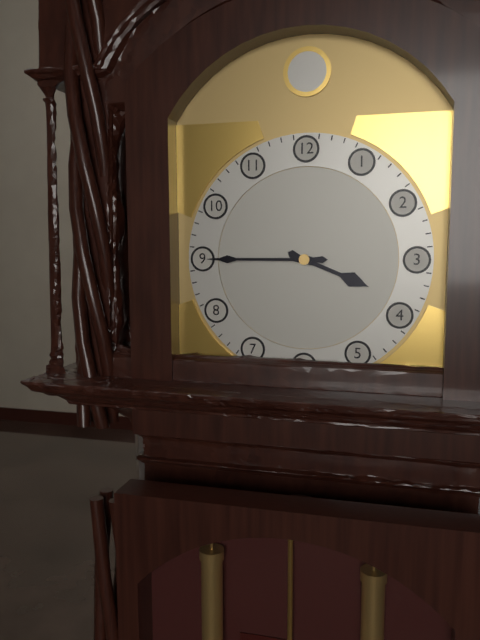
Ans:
h=3 m=45
